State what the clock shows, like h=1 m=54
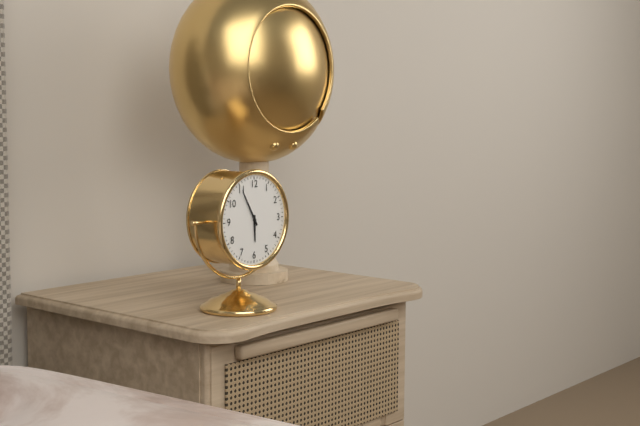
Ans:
h=5 m=55
